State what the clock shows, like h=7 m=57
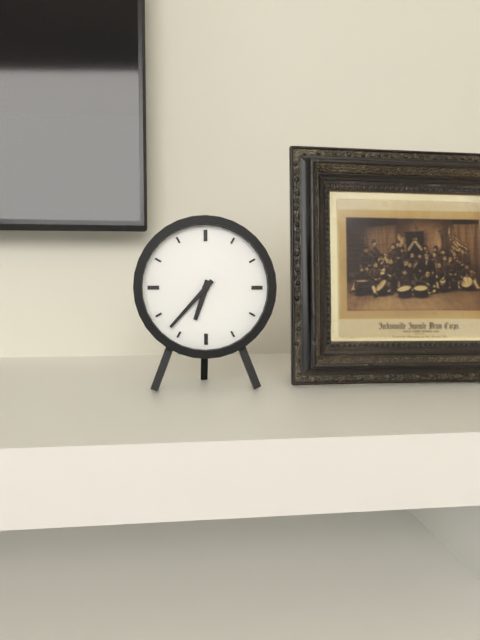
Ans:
h=6 m=37
